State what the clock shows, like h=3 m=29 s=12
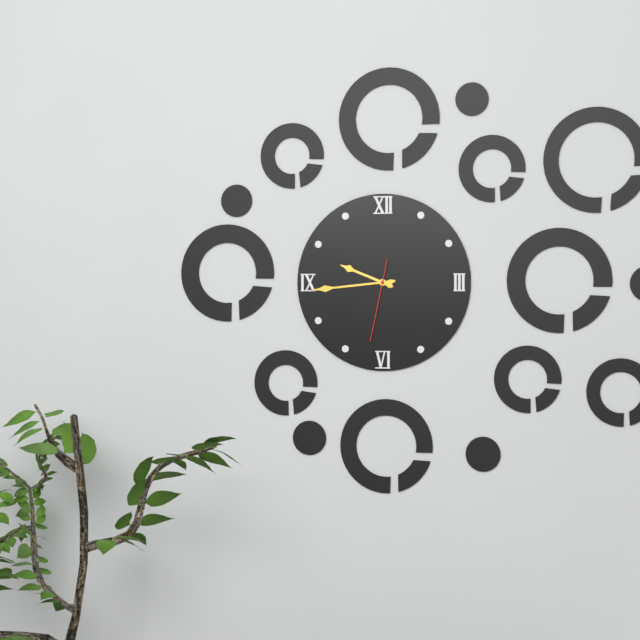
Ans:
h=9 m=44 s=32
